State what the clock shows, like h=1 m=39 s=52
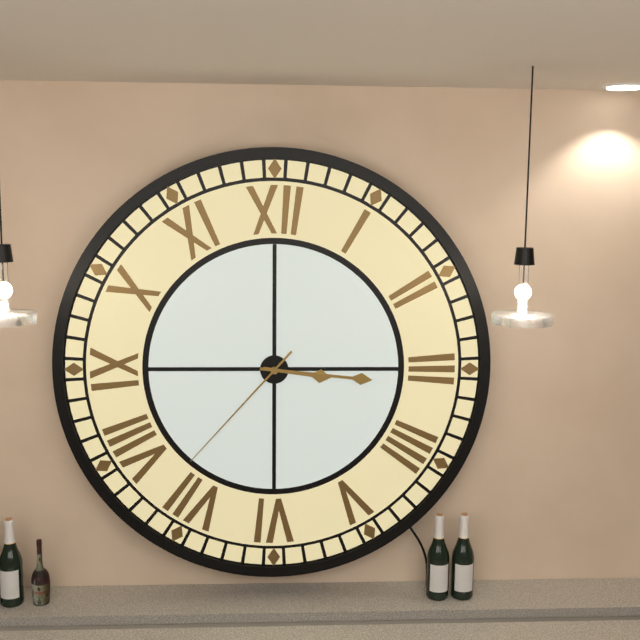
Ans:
h=3 m=16 s=37
